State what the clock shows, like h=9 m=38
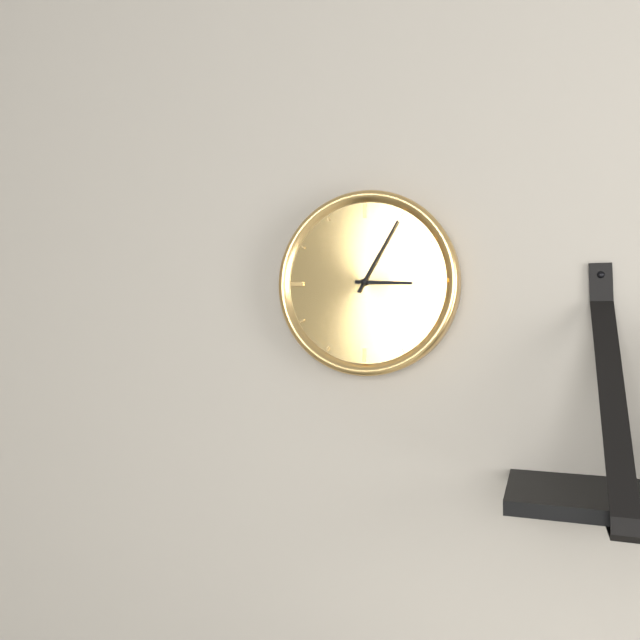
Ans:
h=3 m=5
